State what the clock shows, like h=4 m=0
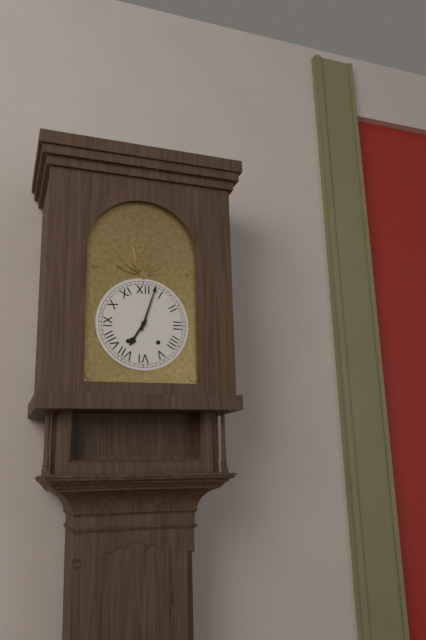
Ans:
h=7 m=3
